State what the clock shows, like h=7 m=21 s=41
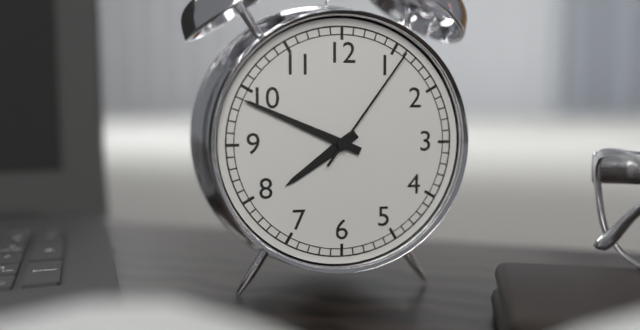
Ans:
h=7 m=49 s=6
